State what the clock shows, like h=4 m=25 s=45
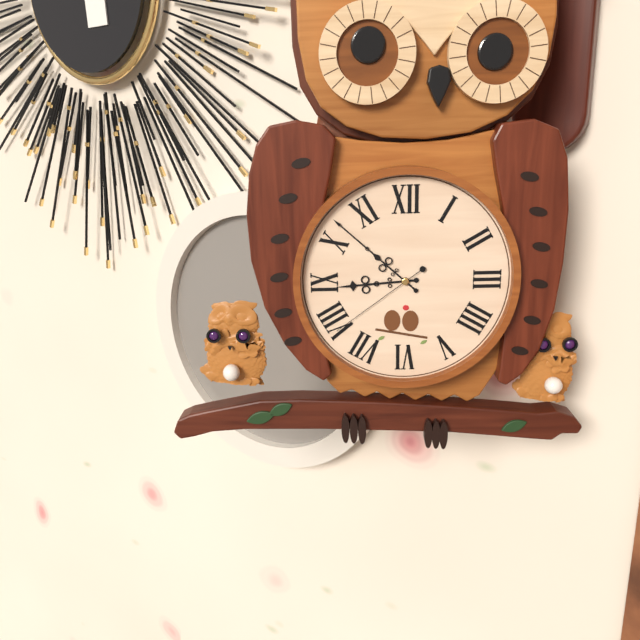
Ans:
h=8 m=52 s=39
